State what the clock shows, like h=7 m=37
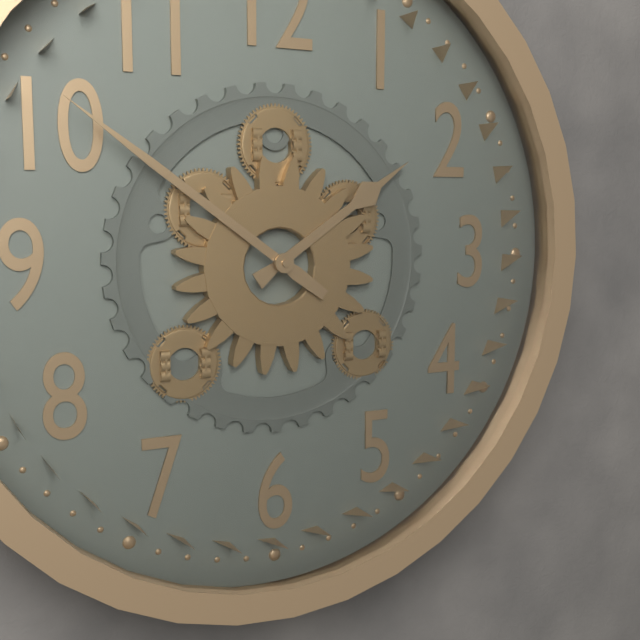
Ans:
h=1 m=51
